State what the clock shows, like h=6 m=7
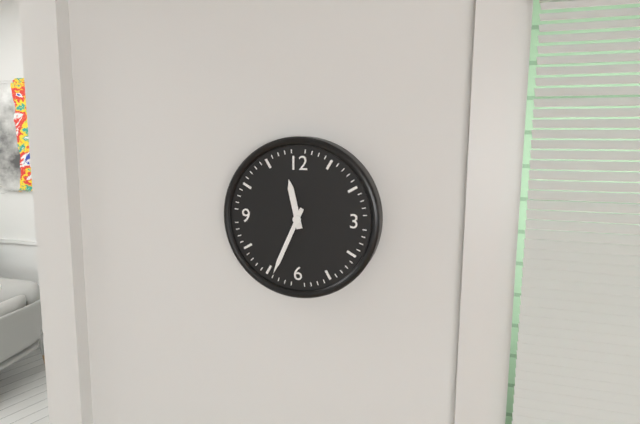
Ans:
h=11 m=34
